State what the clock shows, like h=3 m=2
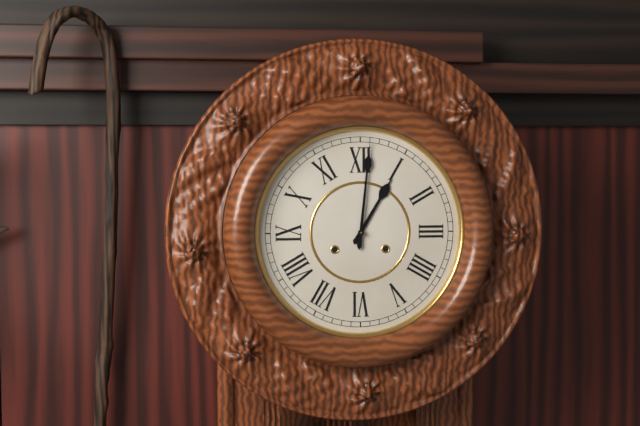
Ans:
h=1 m=1
